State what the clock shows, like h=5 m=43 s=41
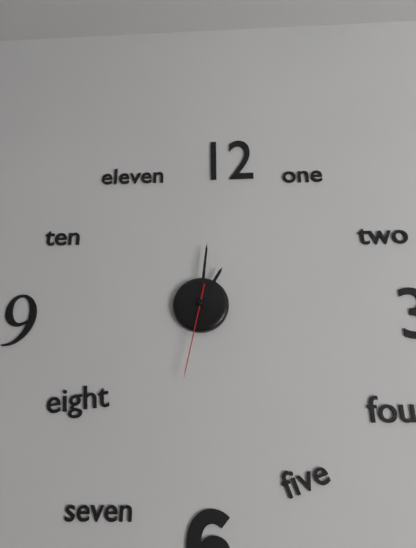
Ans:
h=1 m=1 s=32
